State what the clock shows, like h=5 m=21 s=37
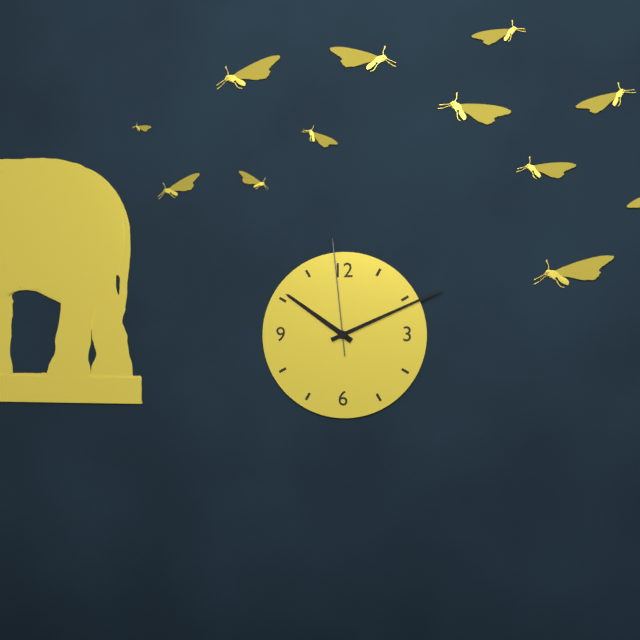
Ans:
h=10 m=11 s=59
